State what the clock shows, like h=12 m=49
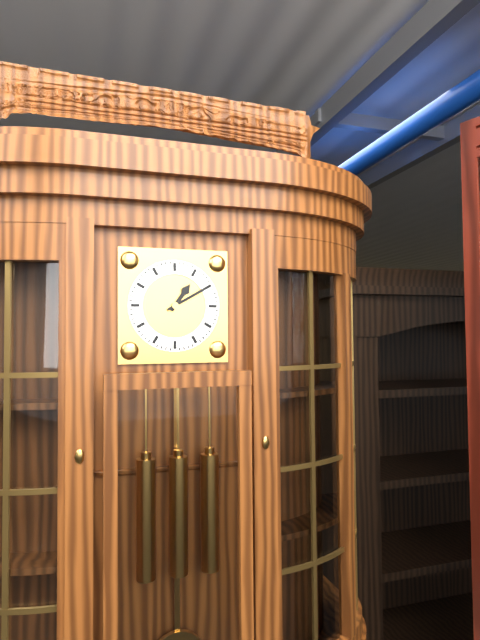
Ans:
h=1 m=10
